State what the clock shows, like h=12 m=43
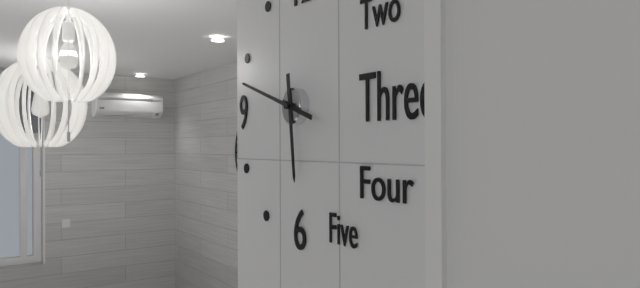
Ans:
h=5 m=48
